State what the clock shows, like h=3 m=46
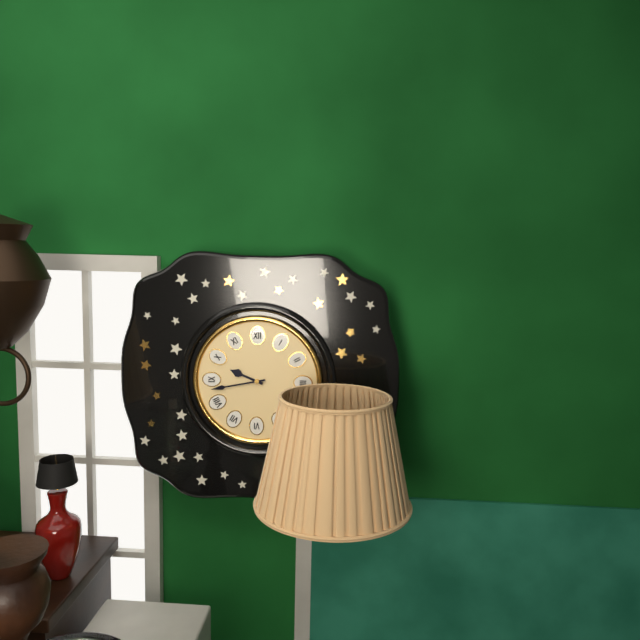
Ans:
h=9 m=43
